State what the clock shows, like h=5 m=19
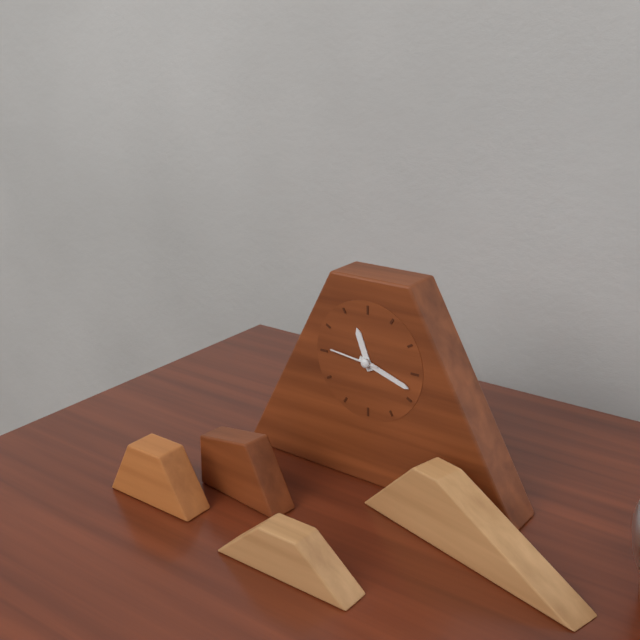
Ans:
h=11 m=18
